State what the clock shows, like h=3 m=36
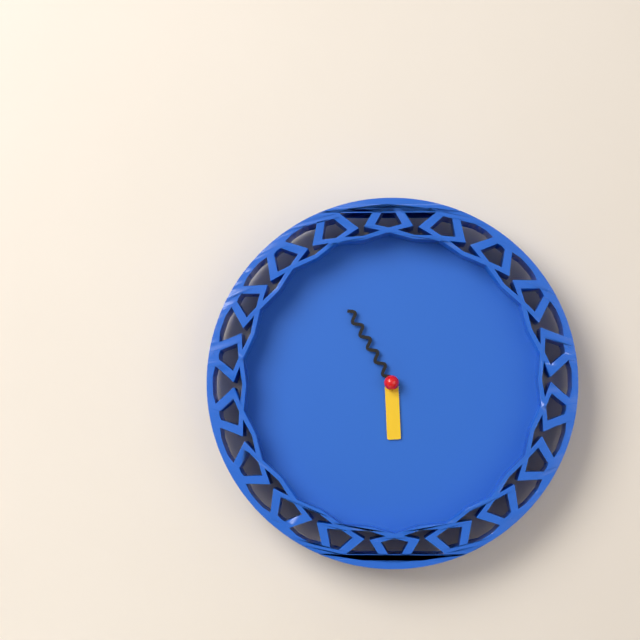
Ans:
h=5 m=55
